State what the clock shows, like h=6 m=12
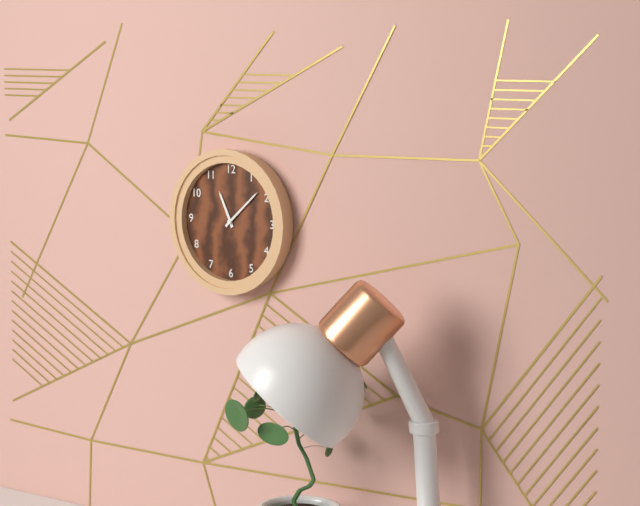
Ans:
h=11 m=8
